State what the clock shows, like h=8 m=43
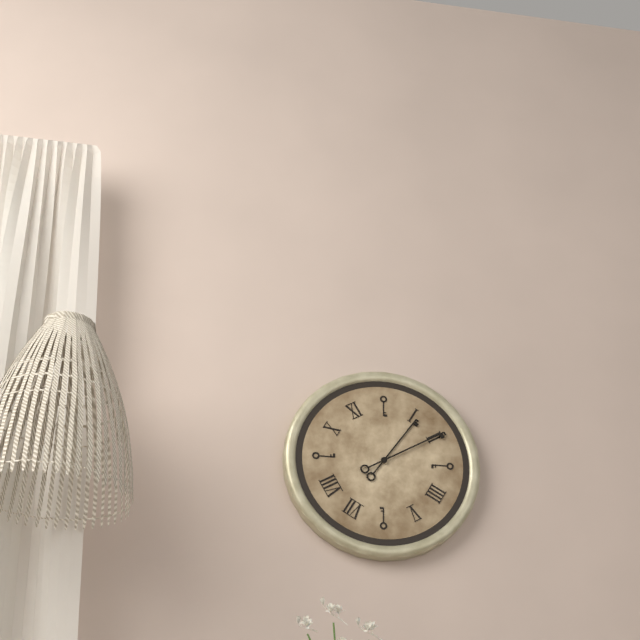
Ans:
h=1 m=10
